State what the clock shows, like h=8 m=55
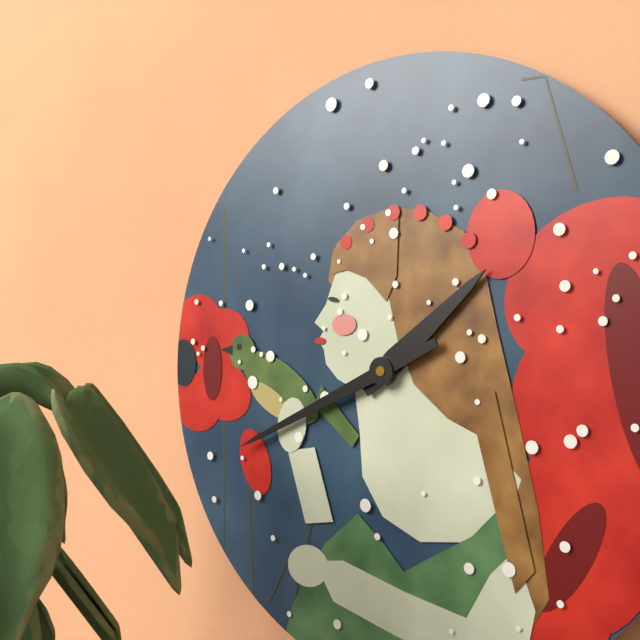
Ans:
h=1 m=41
